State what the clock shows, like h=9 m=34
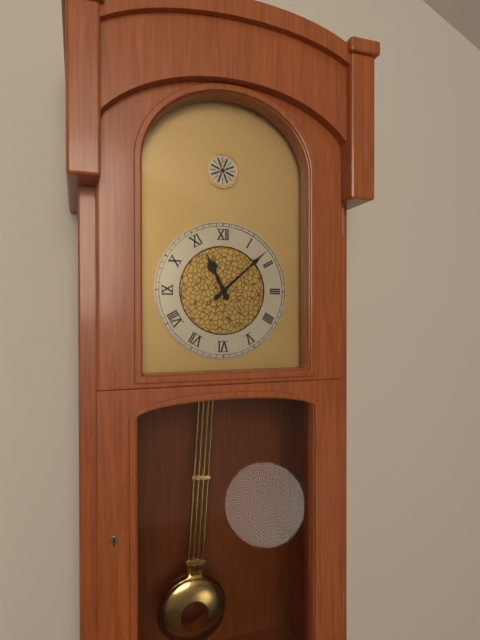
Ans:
h=11 m=8
